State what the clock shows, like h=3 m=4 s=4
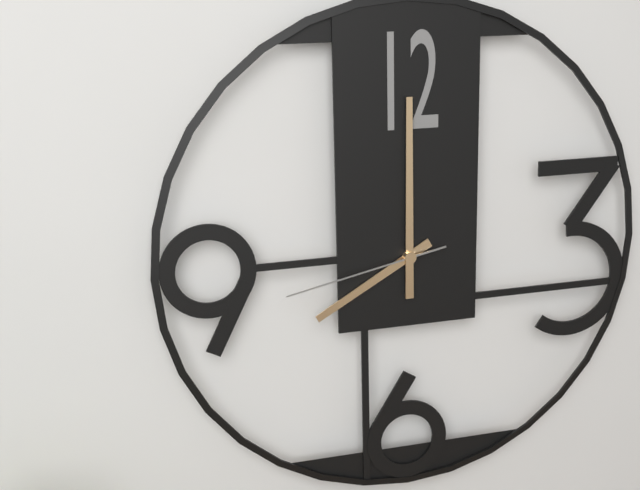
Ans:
h=8 m=0 s=43
